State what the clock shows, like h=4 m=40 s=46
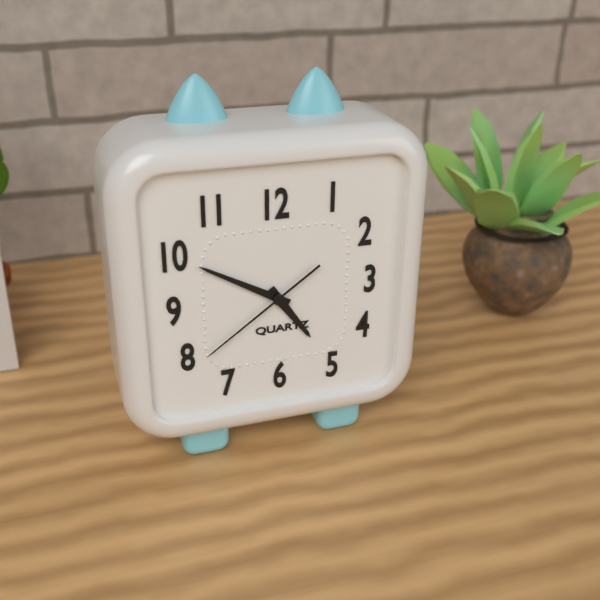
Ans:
h=4 m=50 s=39
